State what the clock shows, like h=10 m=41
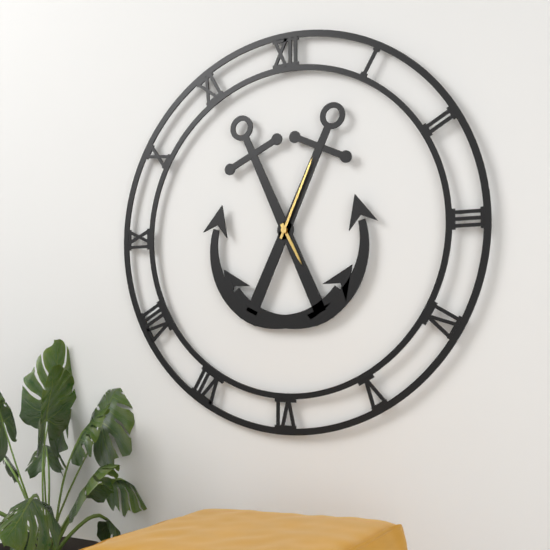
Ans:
h=5 m=4
